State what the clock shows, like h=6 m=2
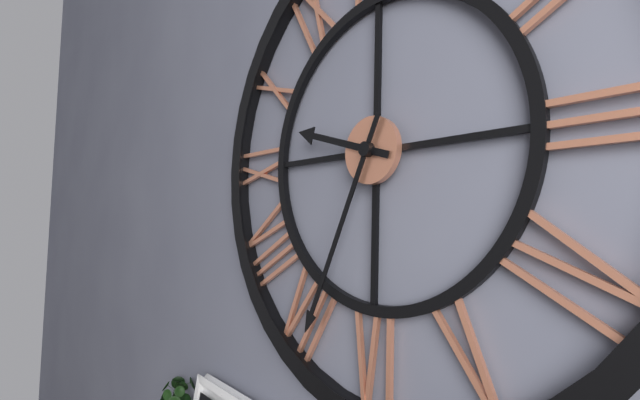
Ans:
h=9 m=34
